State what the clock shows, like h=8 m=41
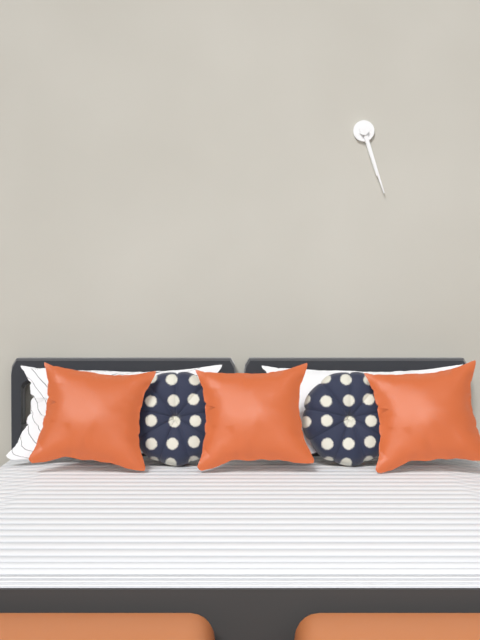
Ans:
h=5 m=27
